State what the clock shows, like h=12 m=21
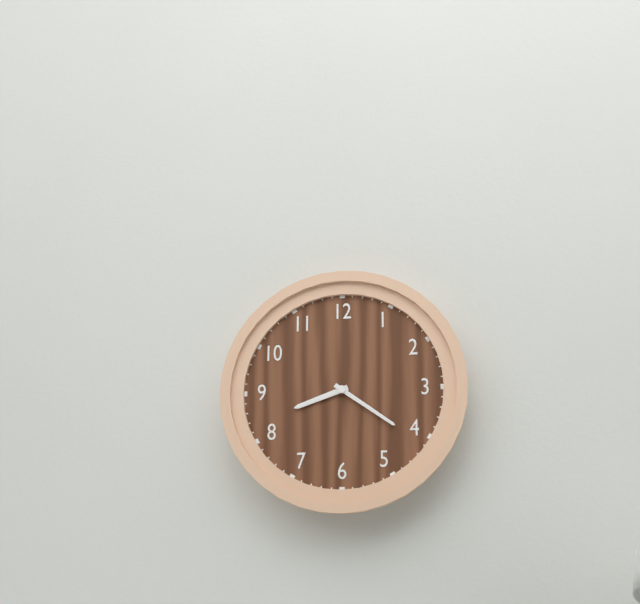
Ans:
h=8 m=21
